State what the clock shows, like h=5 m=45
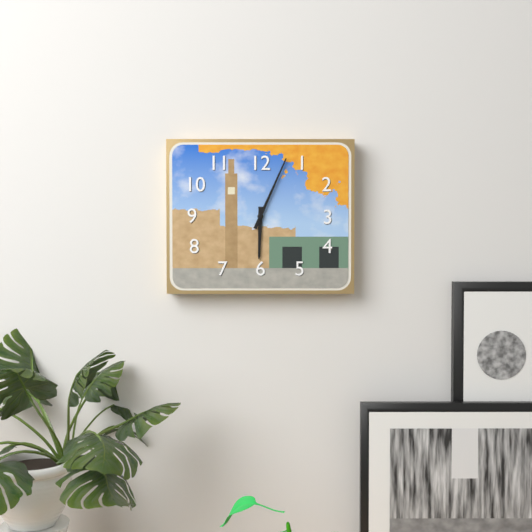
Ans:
h=6 m=4
